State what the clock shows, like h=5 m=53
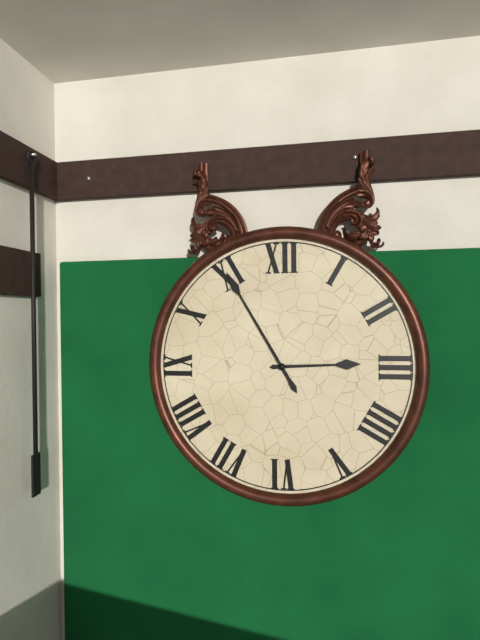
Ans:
h=2 m=55
